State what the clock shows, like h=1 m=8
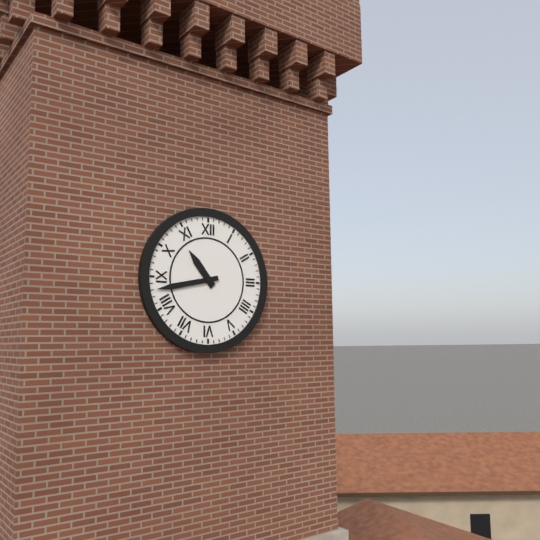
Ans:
h=10 m=43
